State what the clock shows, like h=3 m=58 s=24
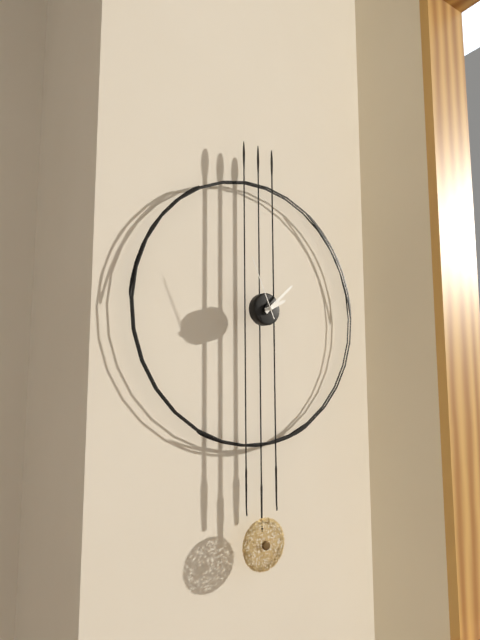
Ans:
h=2 m=8 s=56
